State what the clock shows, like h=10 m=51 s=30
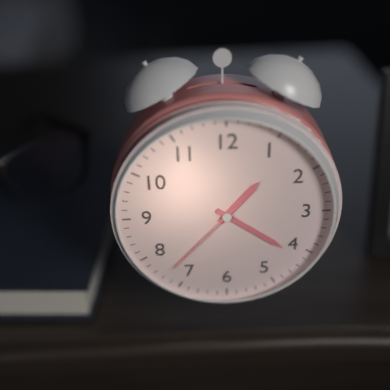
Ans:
h=1 m=21 s=37
